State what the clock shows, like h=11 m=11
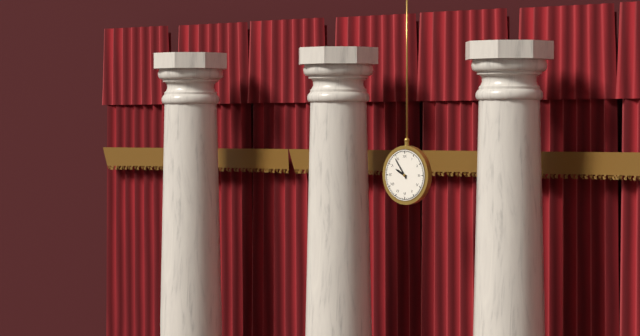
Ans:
h=9 m=54
